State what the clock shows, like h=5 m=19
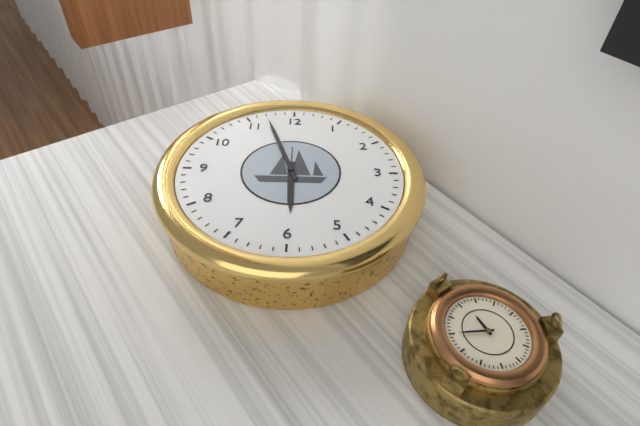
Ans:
h=5 m=57
